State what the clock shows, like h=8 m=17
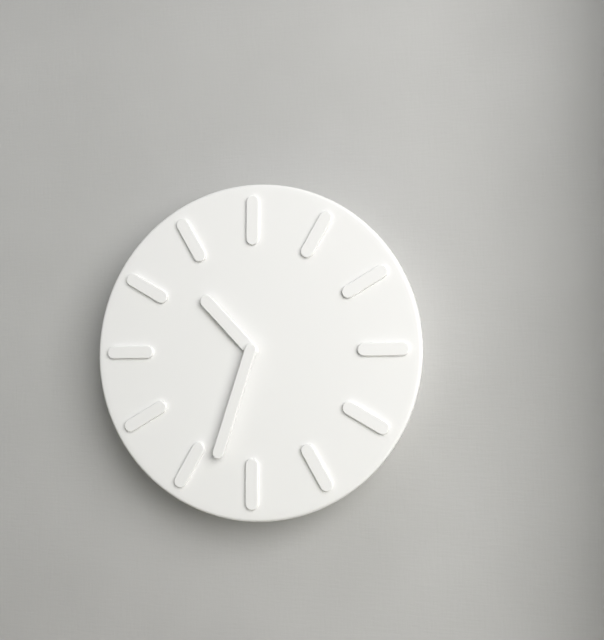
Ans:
h=10 m=33
